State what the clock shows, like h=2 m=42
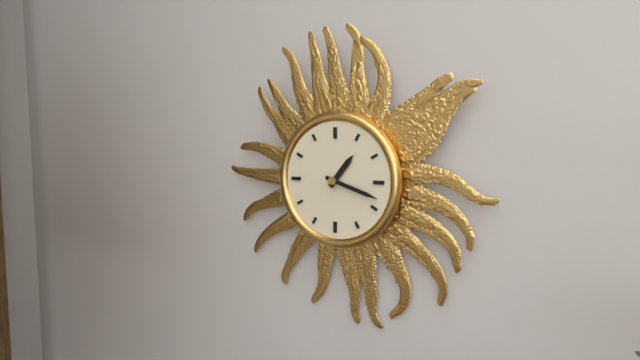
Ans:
h=1 m=18
